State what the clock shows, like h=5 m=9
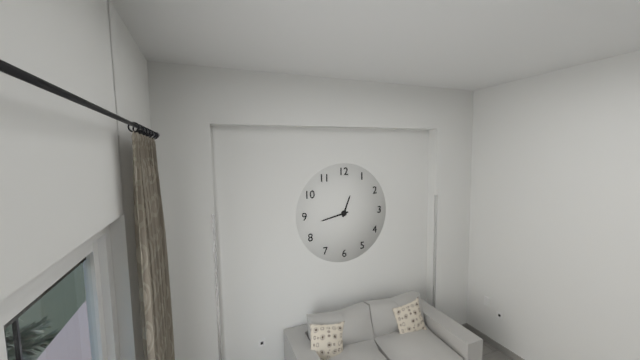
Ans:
h=12 m=43
